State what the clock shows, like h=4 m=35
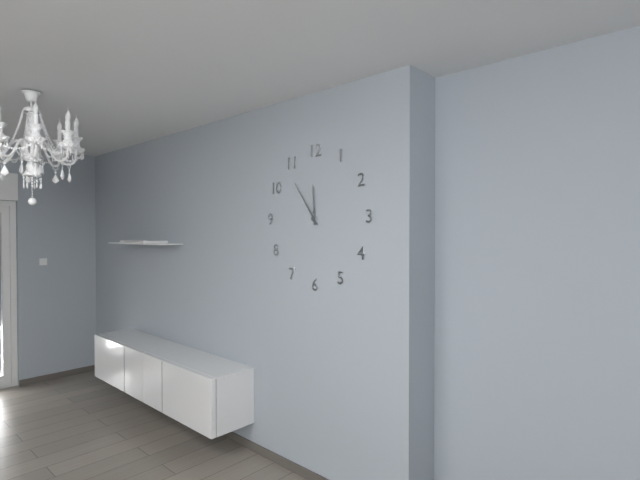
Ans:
h=11 m=54
